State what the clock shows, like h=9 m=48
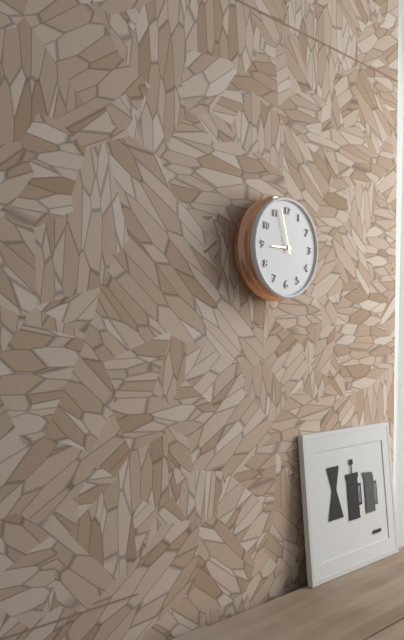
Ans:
h=8 m=57
